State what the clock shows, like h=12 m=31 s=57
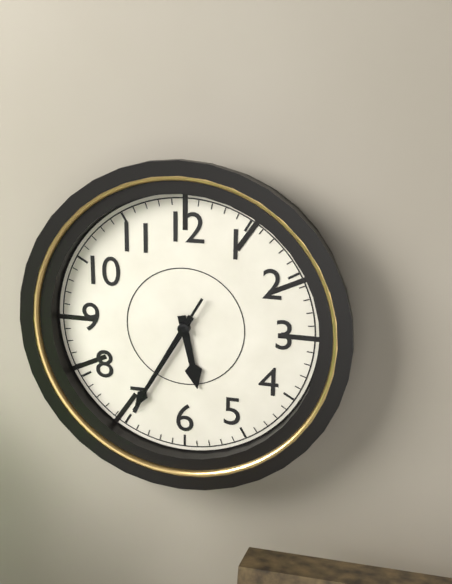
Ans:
h=5 m=35 s=35
